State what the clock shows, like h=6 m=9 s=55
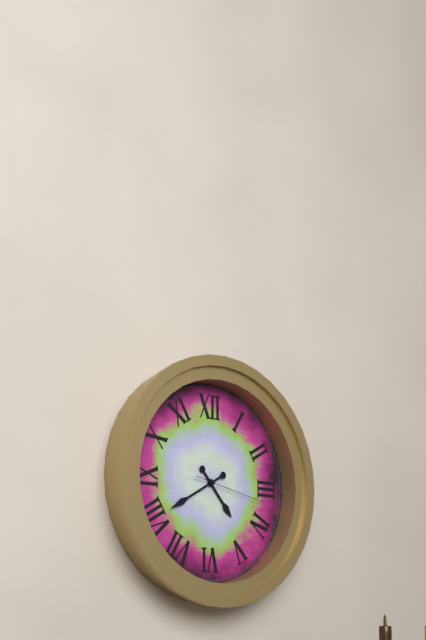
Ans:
h=4 m=40 s=17
